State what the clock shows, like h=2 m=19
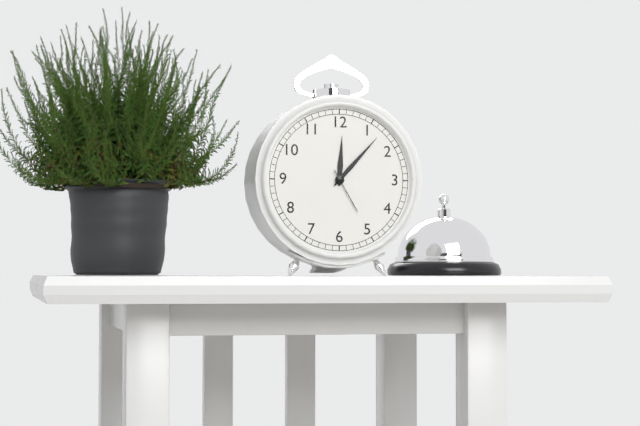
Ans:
h=12 m=7
